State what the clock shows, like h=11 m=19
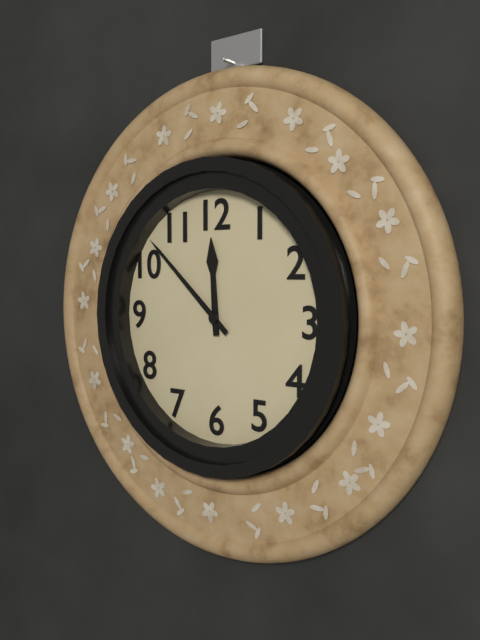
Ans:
h=11 m=52
